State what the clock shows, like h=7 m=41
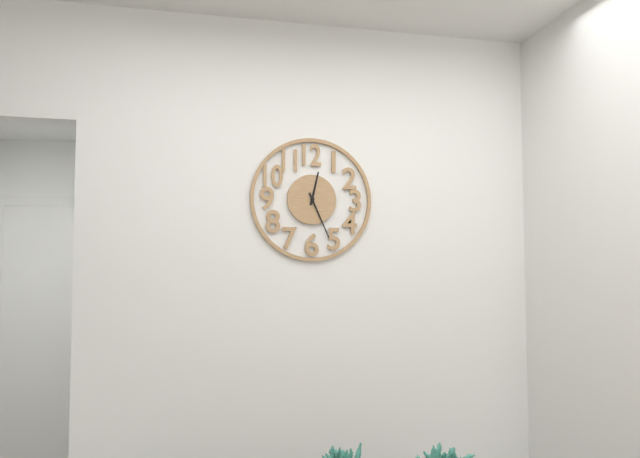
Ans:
h=12 m=26
